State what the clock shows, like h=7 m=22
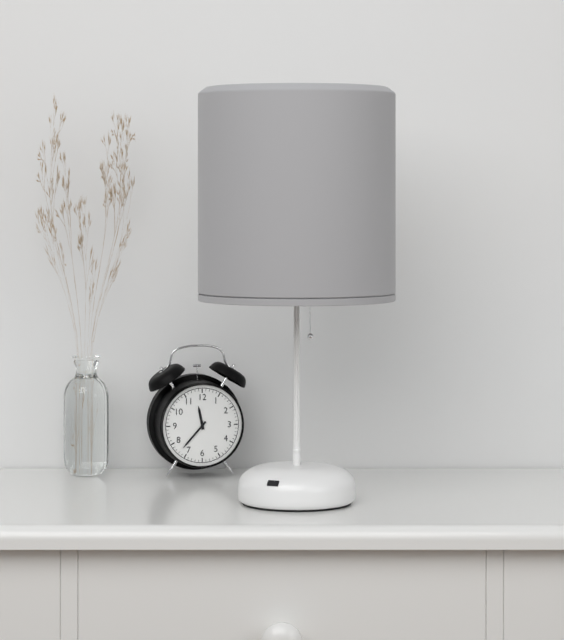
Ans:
h=11 m=37
